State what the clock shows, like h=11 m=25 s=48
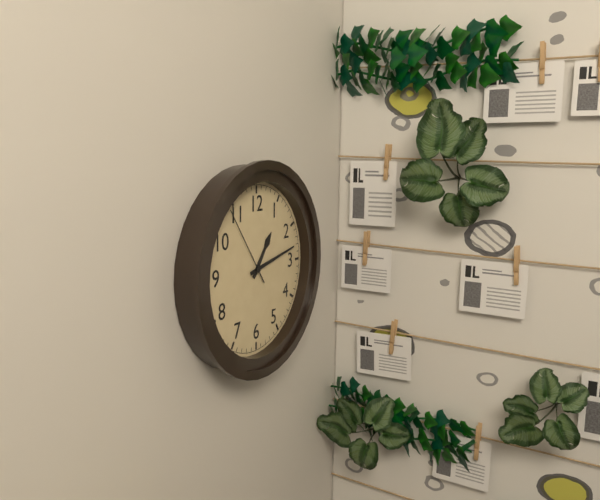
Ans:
h=1 m=13 s=54
